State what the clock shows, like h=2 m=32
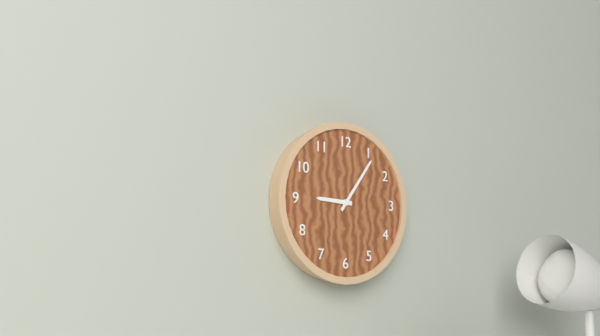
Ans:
h=9 m=6
